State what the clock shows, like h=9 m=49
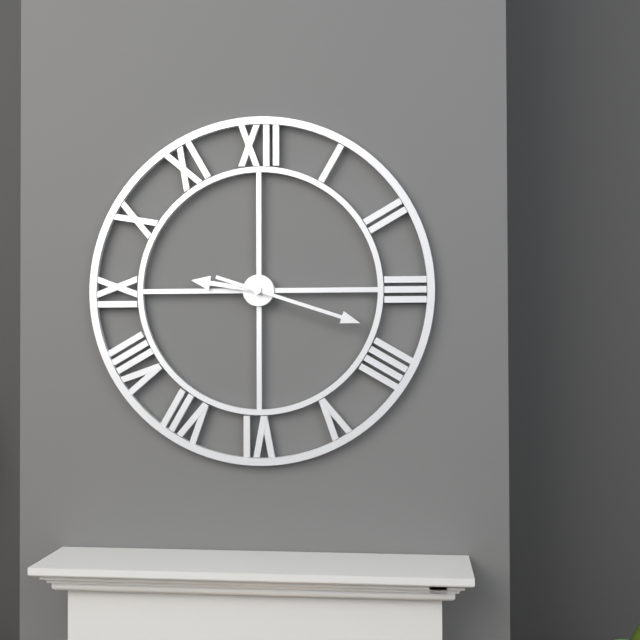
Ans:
h=9 m=18
